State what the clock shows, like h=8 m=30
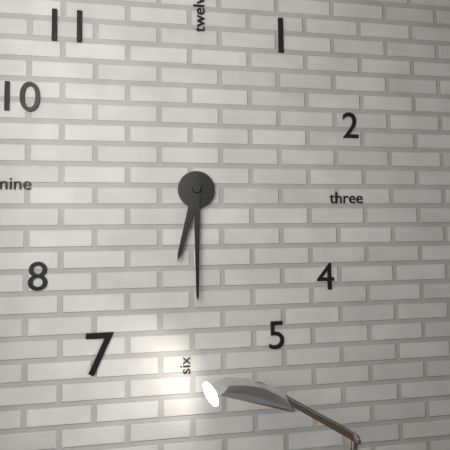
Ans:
h=6 m=30
